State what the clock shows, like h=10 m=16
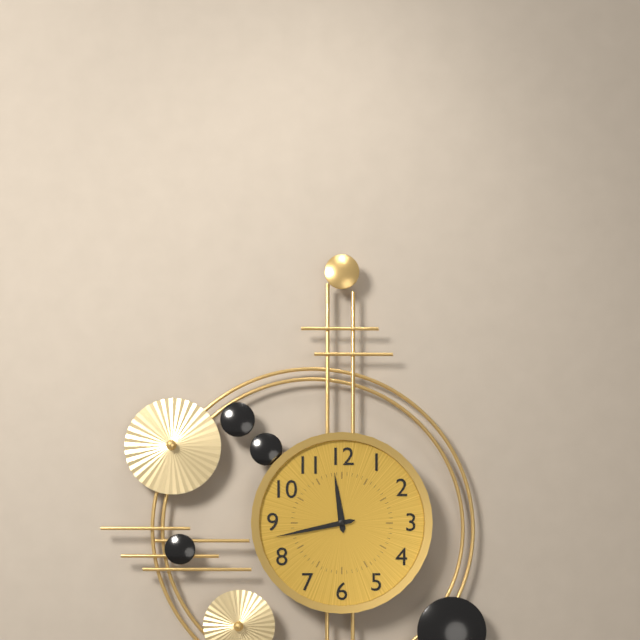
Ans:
h=11 m=43
